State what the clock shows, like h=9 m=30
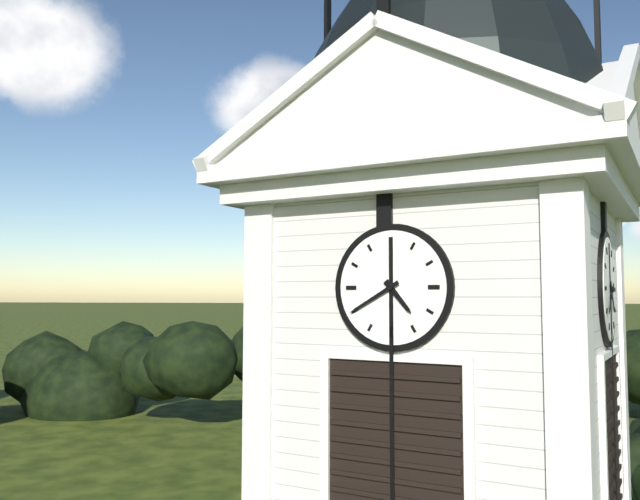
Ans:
h=4 m=40
